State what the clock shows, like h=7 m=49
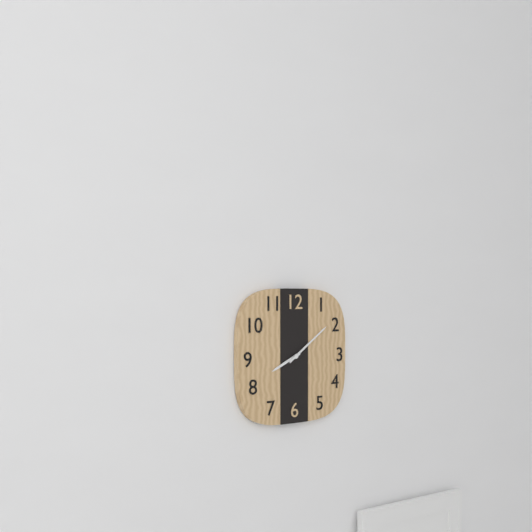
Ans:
h=8 m=9
